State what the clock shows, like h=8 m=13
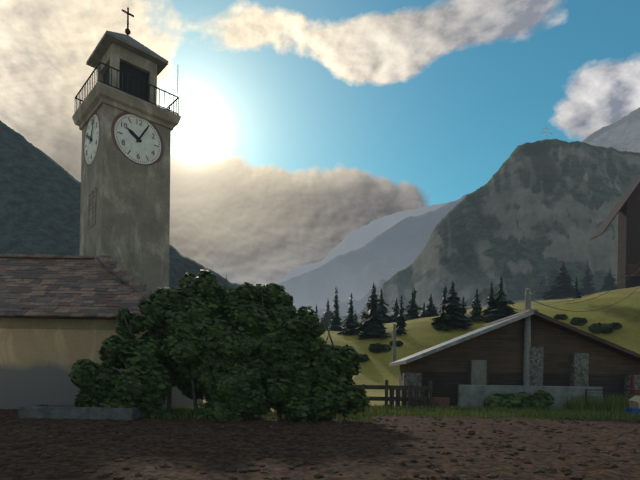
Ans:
h=10 m=5
